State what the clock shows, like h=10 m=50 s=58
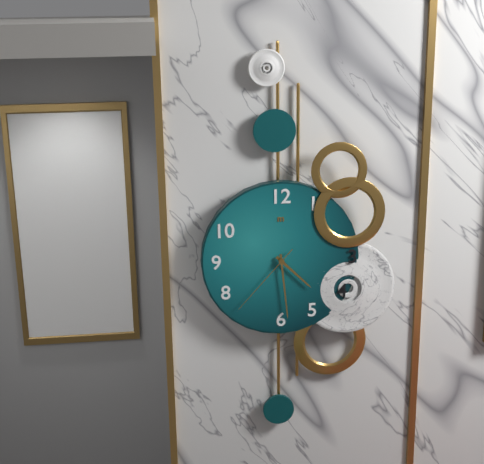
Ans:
h=4 m=29 s=37
